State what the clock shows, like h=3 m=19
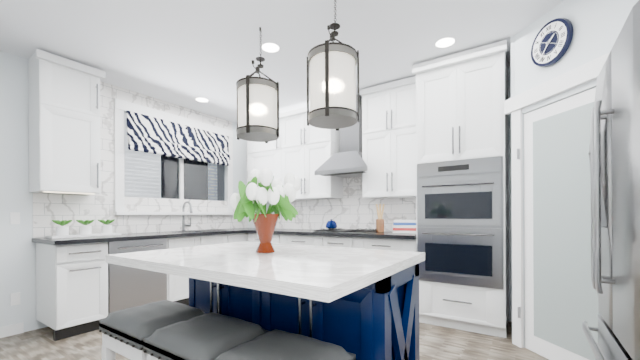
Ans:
h=1 m=36
